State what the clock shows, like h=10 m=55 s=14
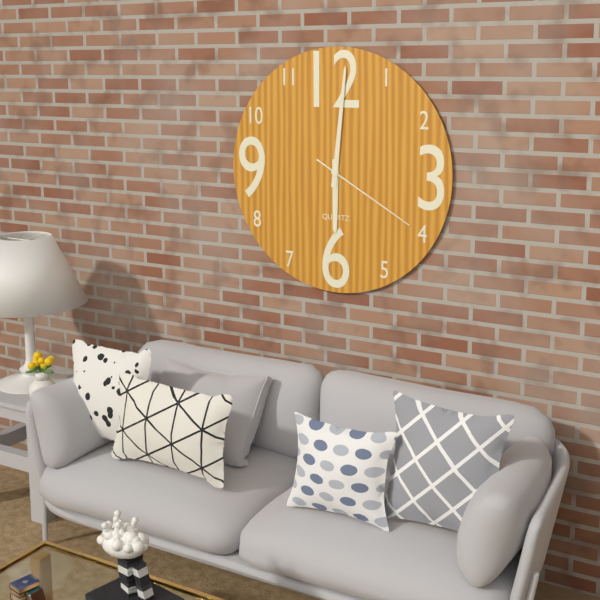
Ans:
h=6 m=1 s=20
